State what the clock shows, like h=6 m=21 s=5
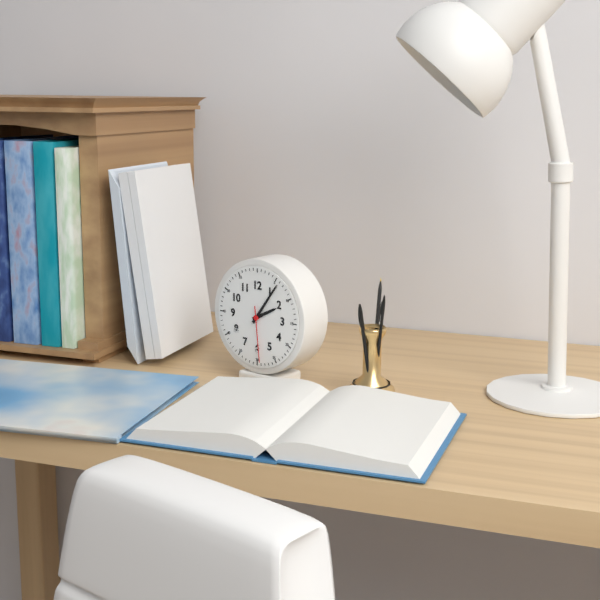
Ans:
h=2 m=6 s=29
